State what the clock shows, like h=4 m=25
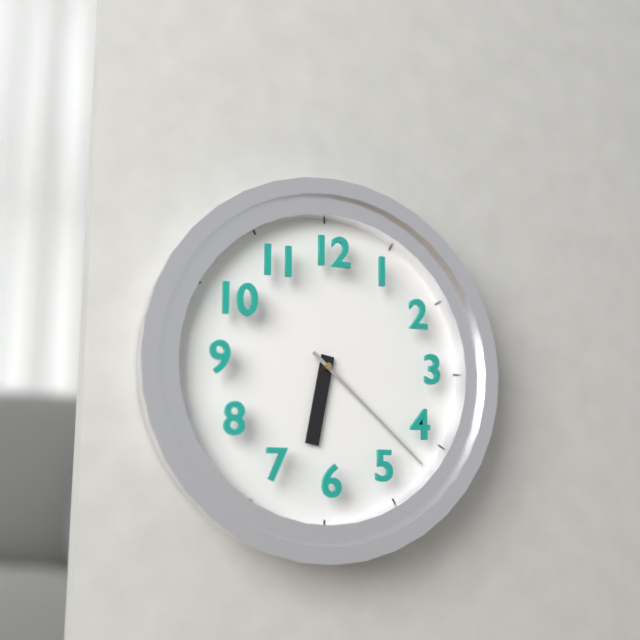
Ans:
h=6 m=22
